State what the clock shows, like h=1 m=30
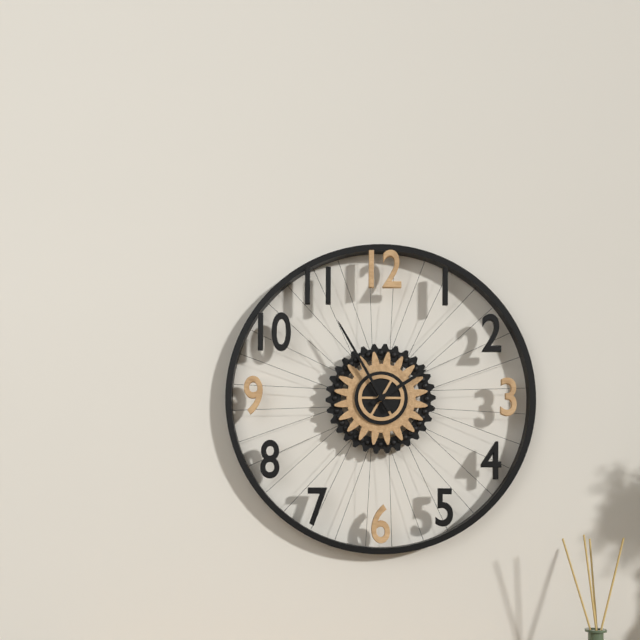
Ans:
h=1 m=55
